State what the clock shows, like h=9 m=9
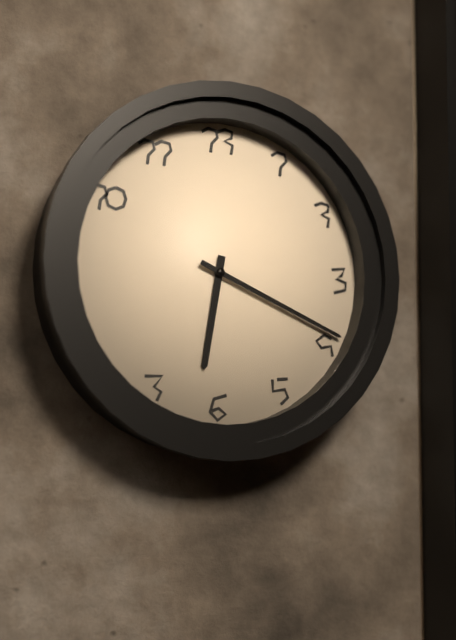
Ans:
h=6 m=19
